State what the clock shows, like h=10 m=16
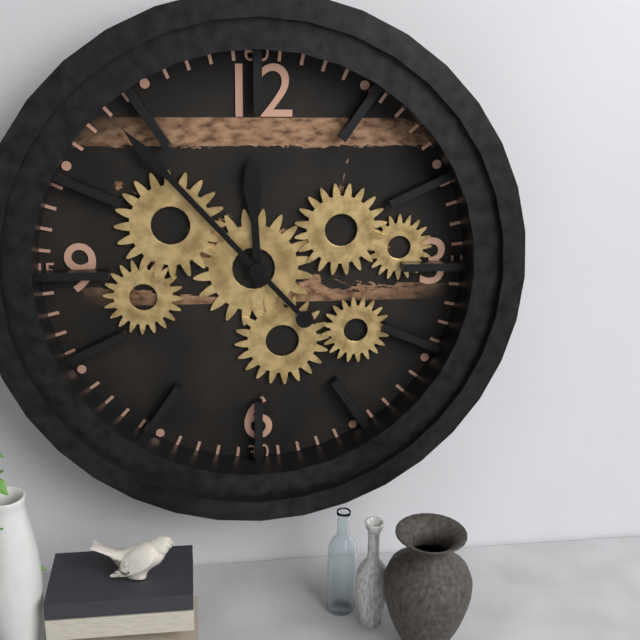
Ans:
h=11 m=53
